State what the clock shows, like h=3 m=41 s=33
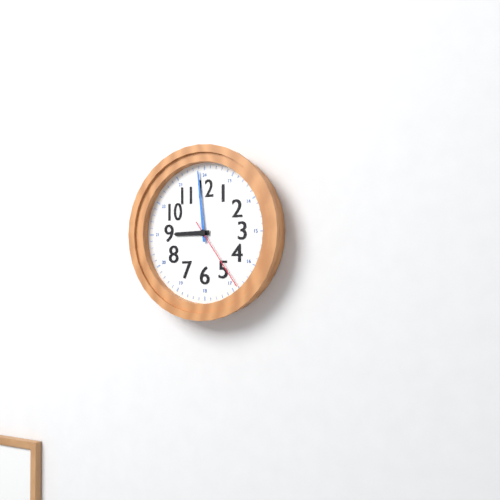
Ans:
h=8 m=59 s=24
